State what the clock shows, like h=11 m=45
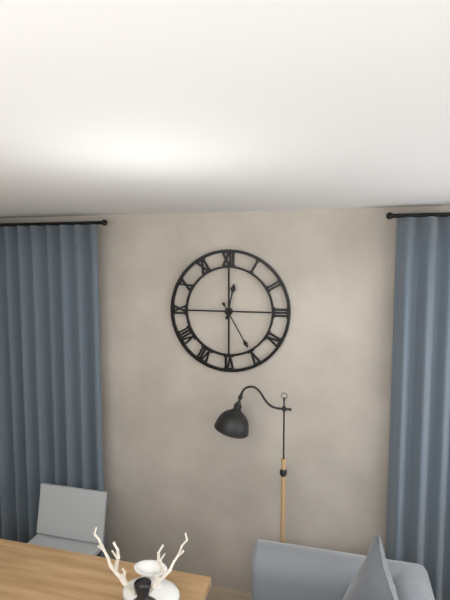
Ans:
h=12 m=25
